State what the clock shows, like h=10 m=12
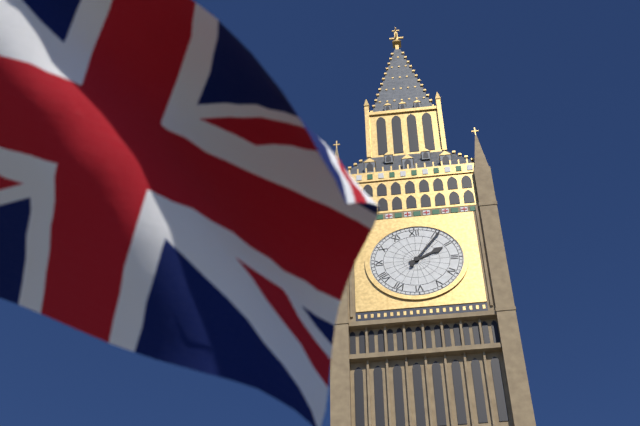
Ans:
h=2 m=6
